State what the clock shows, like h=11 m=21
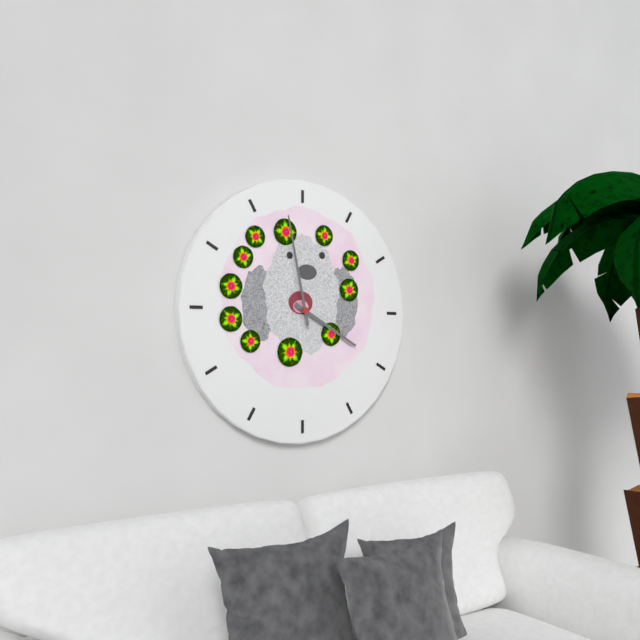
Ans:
h=3 m=58
